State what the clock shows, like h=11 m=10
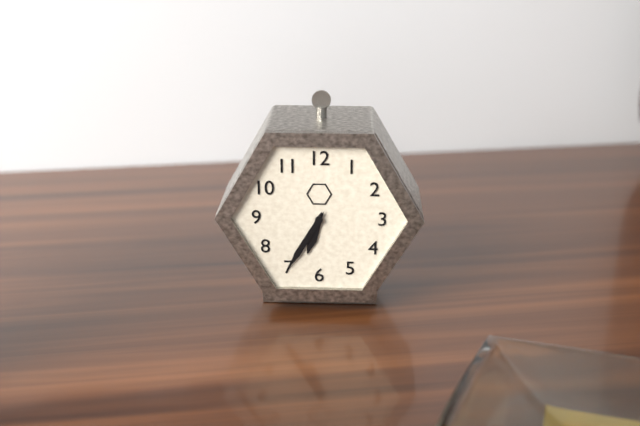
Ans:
h=6 m=35
